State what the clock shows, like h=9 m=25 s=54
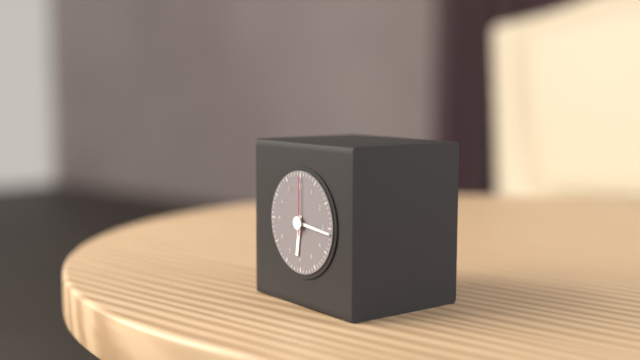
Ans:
h=6 m=16 s=0
